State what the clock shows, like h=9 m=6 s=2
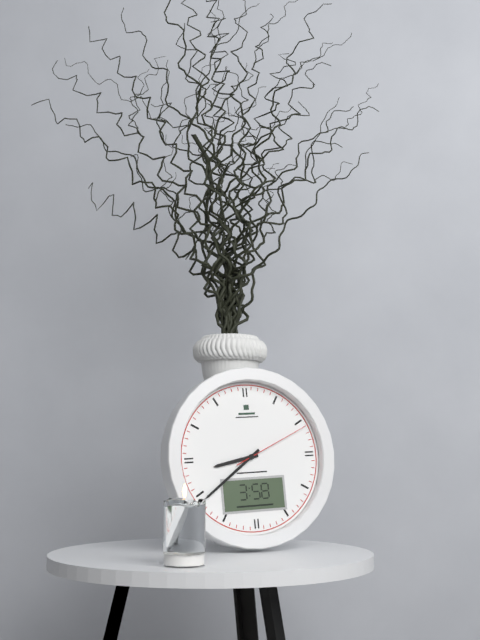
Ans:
h=8 m=39 s=11
